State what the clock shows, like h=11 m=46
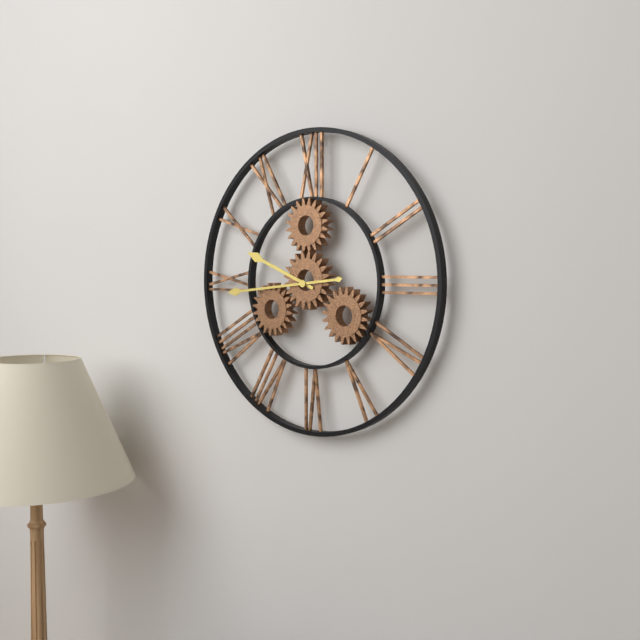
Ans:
h=9 m=44
